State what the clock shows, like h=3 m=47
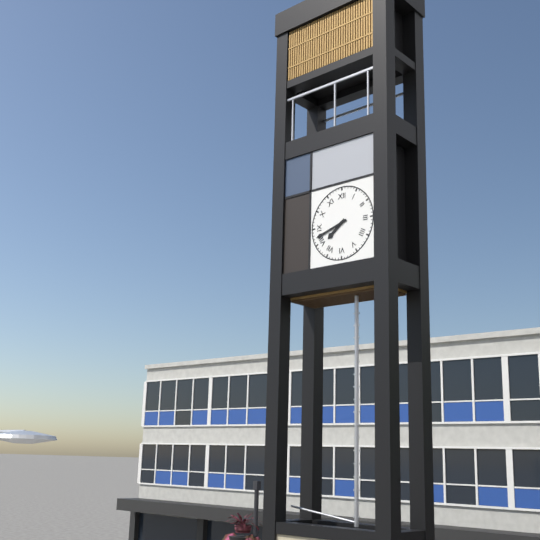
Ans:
h=7 m=42
